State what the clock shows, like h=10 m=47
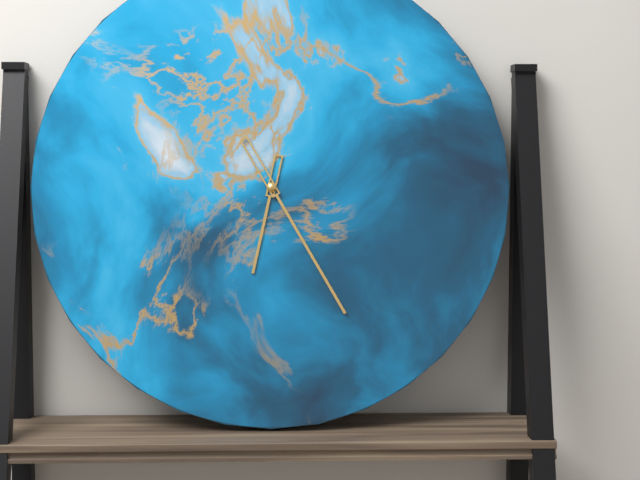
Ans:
h=6 m=25
